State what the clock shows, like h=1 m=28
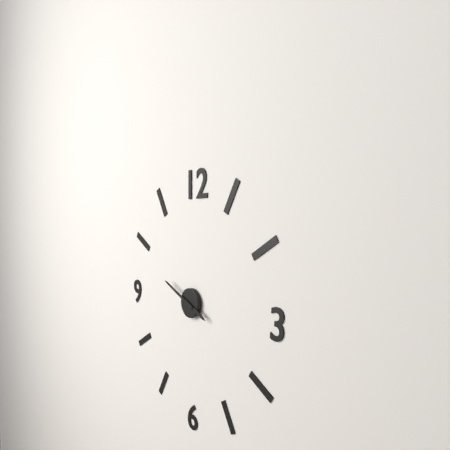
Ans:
h=3 m=49
